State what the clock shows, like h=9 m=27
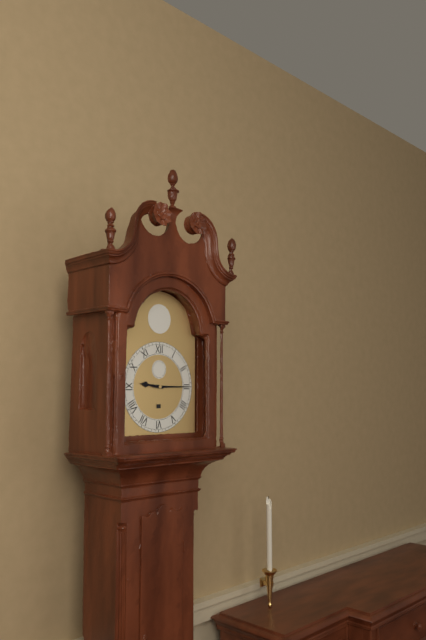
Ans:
h=9 m=15
